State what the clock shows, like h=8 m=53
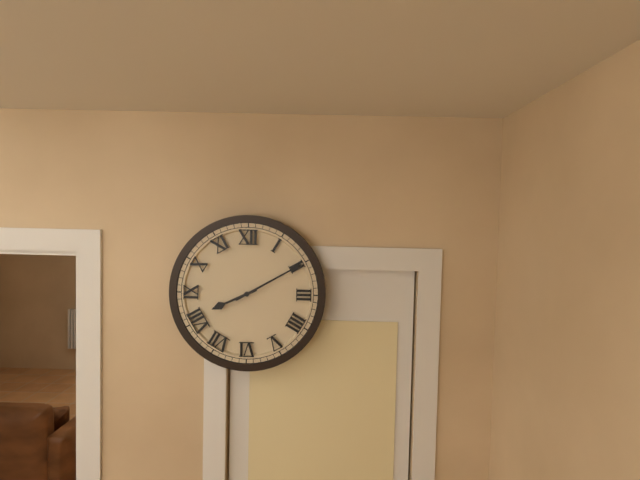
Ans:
h=8 m=10
